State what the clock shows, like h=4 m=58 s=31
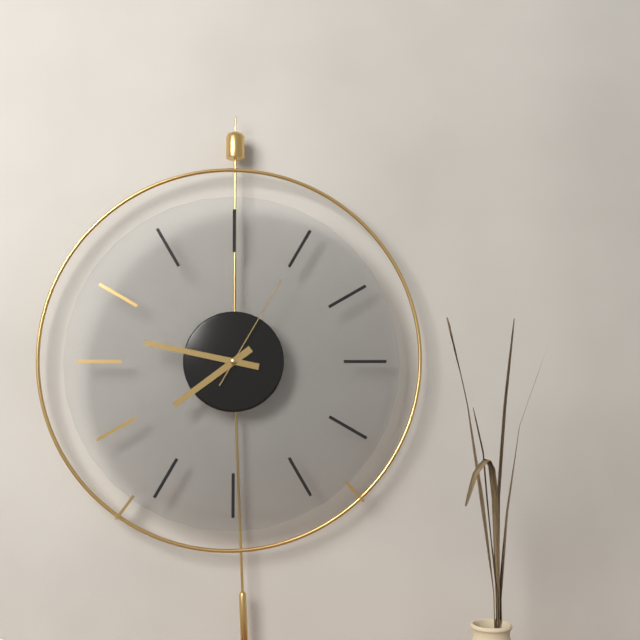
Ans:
h=7 m=47 s=5
